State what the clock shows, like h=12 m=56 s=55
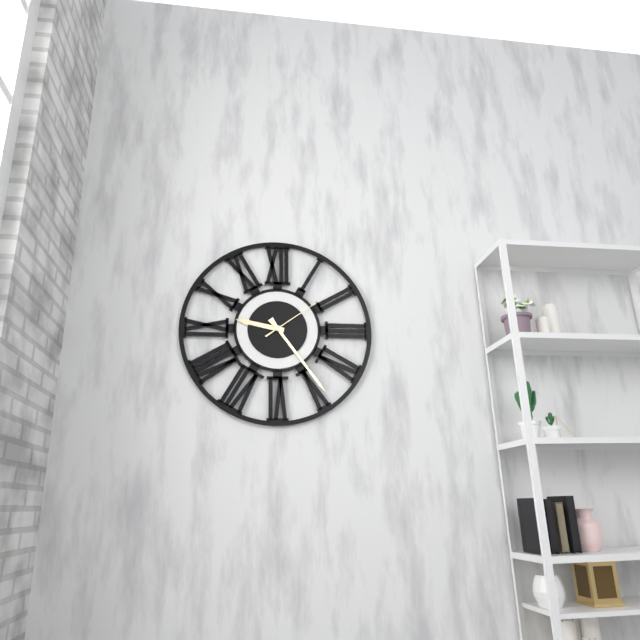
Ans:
h=9 m=24 s=9
